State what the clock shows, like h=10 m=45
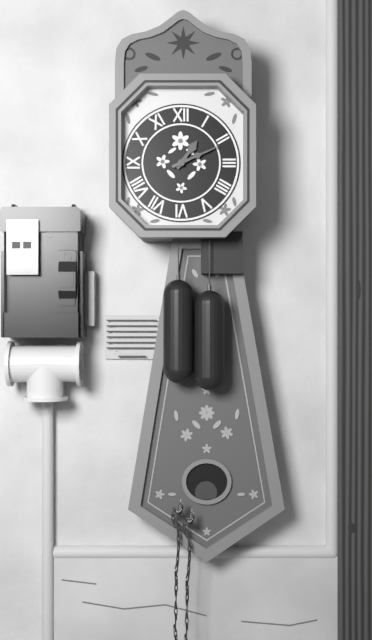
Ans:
h=1 m=11
